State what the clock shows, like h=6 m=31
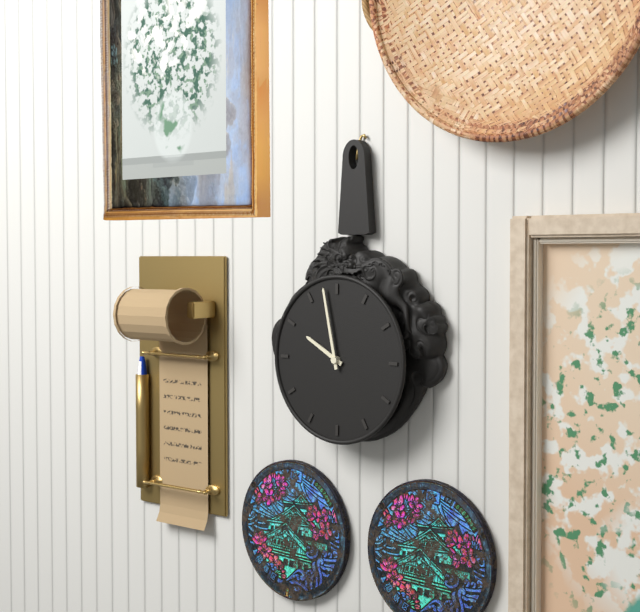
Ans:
h=9 m=58
